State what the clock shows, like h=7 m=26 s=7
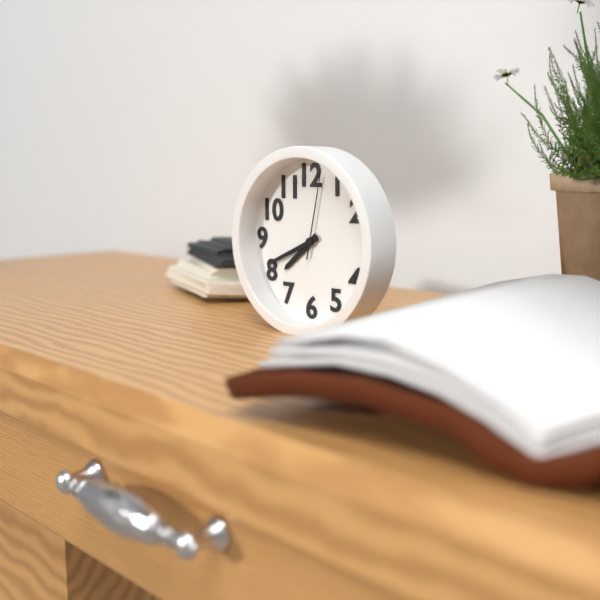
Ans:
h=7 m=41 s=2
